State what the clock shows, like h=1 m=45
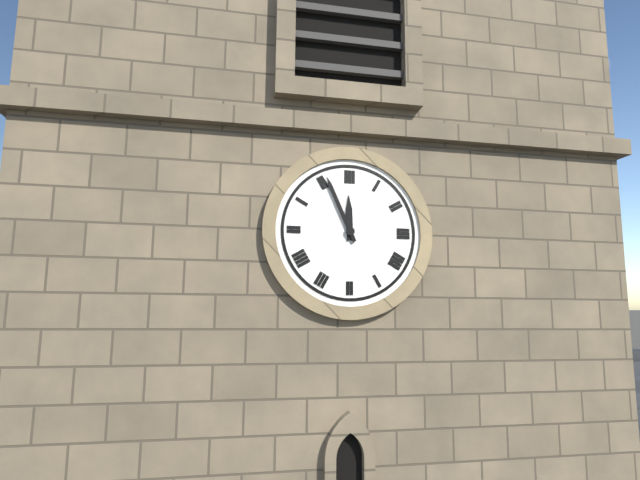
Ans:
h=11 m=56
